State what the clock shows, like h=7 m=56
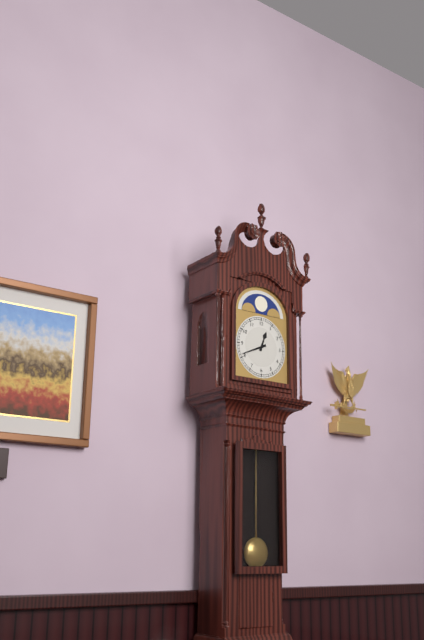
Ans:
h=12 m=41
